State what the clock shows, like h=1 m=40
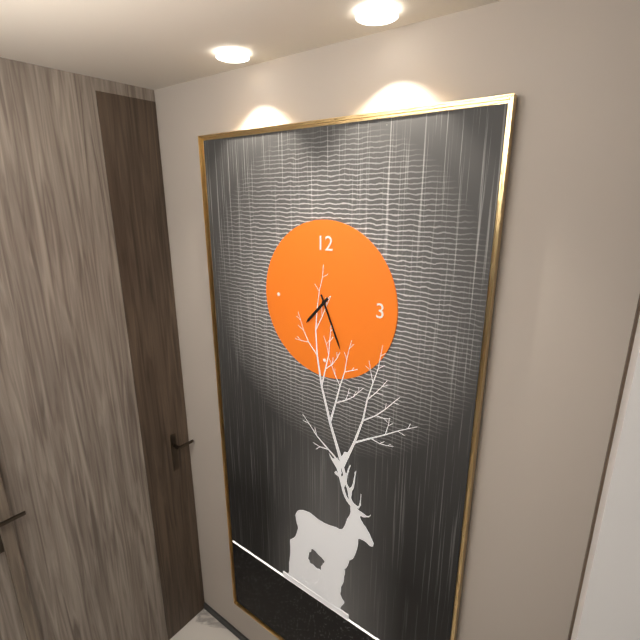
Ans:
h=7 m=26
